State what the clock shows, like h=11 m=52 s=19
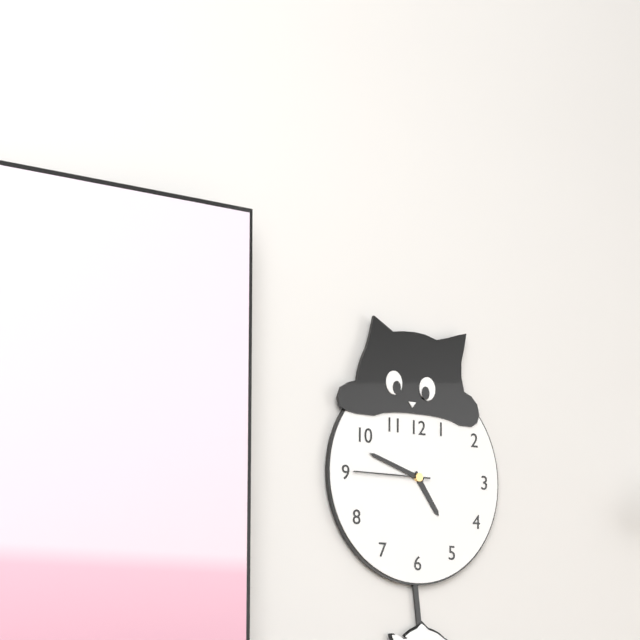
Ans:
h=4 m=48 s=45
